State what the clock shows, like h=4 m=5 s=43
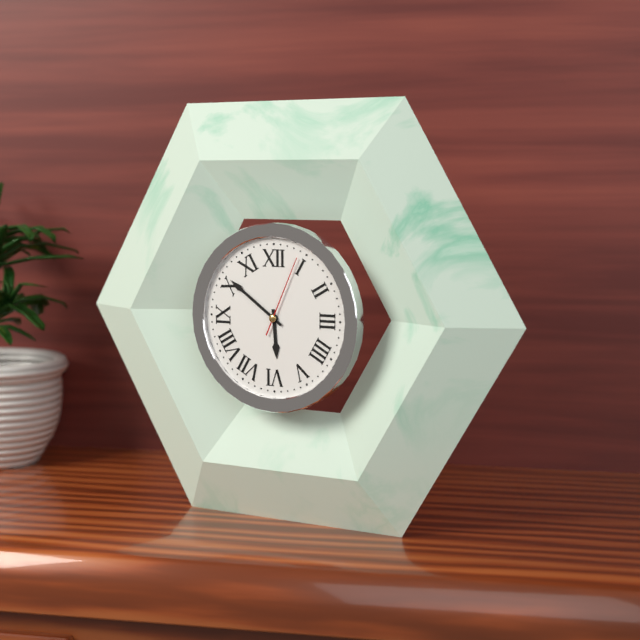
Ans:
h=5 m=51 s=4
